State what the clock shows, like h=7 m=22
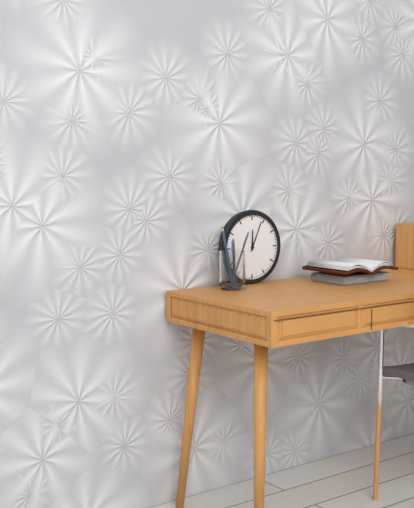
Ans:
h=12 m=4
